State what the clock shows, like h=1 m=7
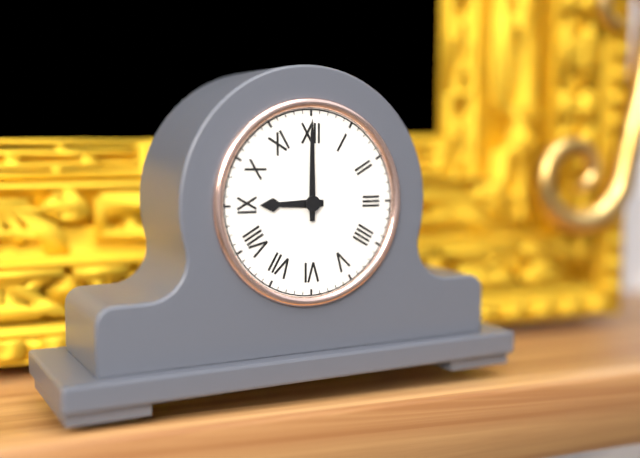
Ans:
h=9 m=0
